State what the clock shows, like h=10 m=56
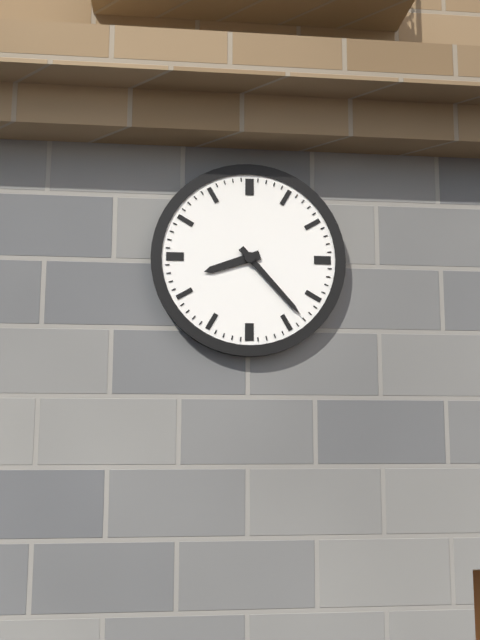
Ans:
h=8 m=23
